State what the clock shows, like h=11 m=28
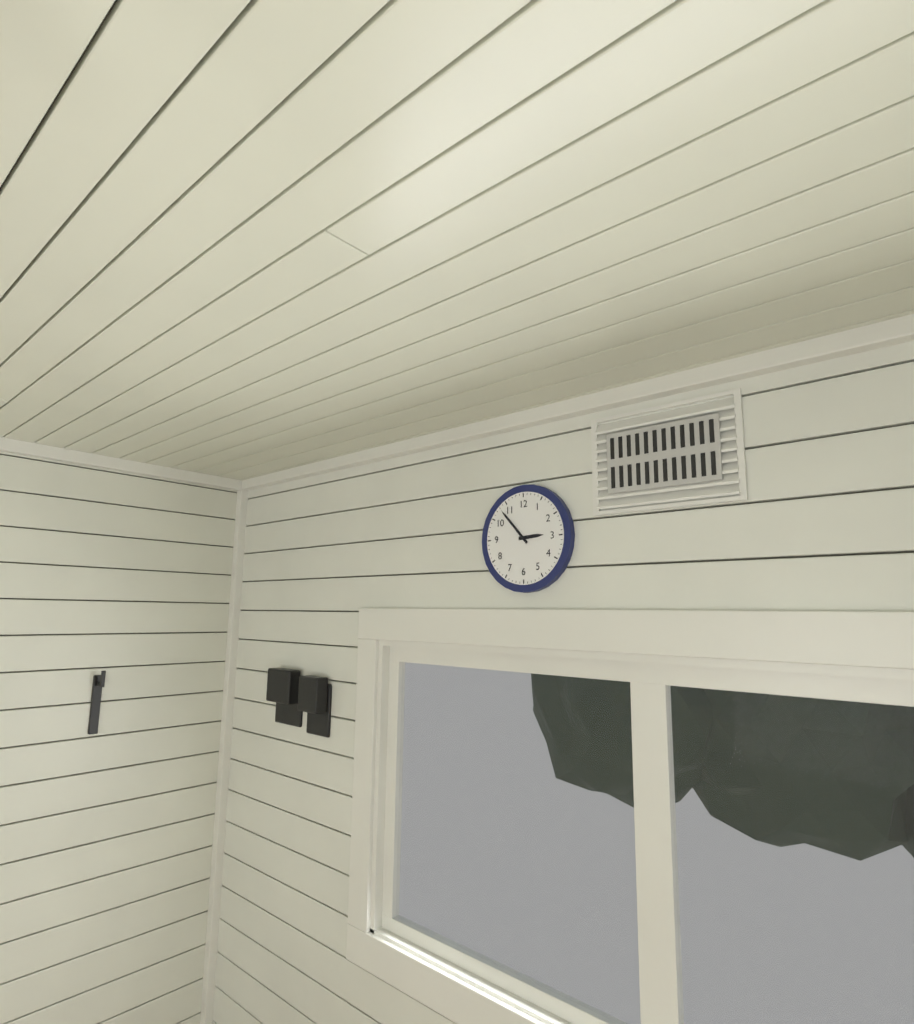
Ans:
h=2 m=53
